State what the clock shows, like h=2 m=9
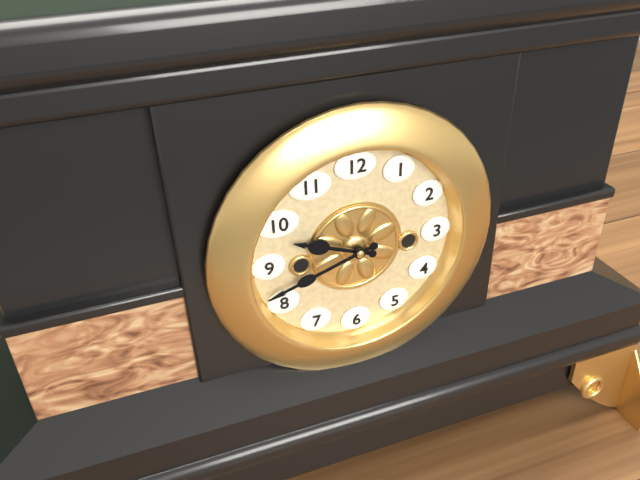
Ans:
h=9 m=42
